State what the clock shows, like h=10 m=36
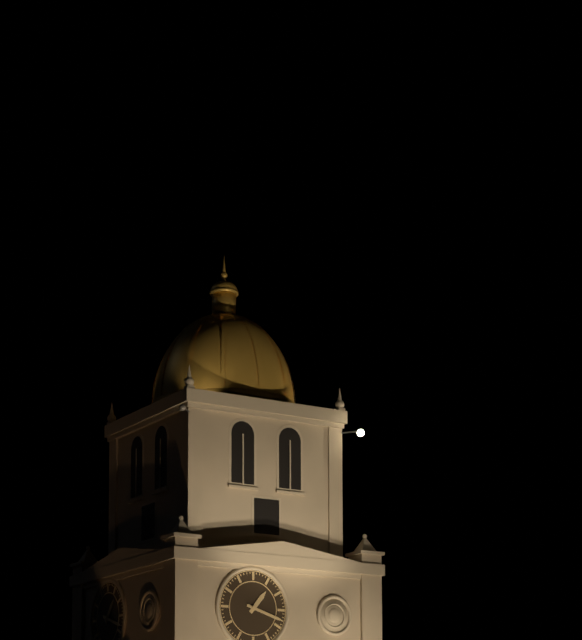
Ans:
h=1 m=18
